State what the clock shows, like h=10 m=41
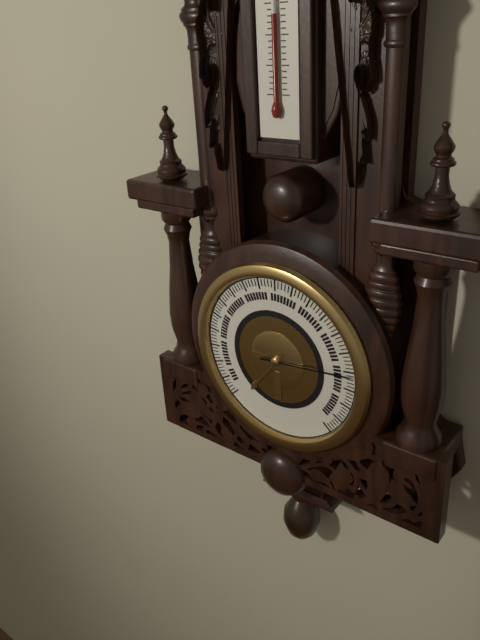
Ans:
h=7 m=14
